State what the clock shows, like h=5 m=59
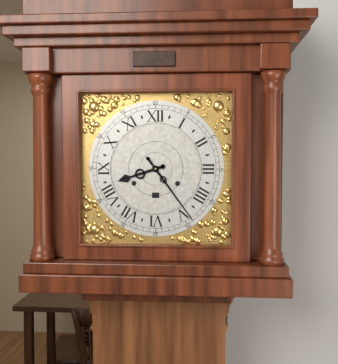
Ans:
h=8 m=24
